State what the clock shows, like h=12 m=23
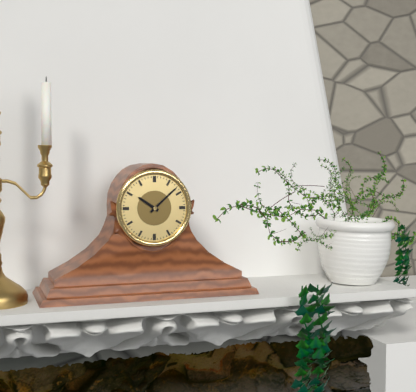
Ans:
h=10 m=8
